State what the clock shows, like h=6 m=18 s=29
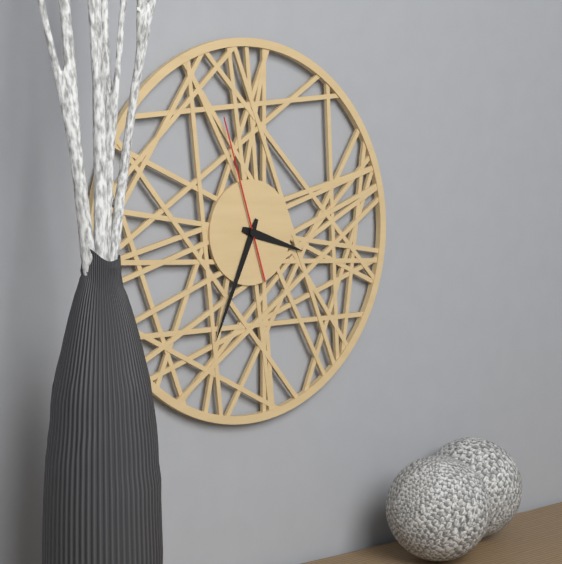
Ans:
h=3 m=34 s=57
